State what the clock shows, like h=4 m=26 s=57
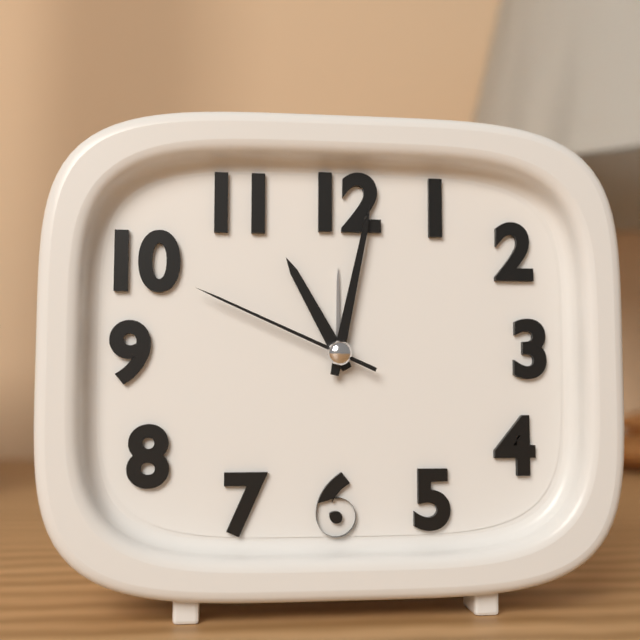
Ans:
h=11 m=2 s=49
